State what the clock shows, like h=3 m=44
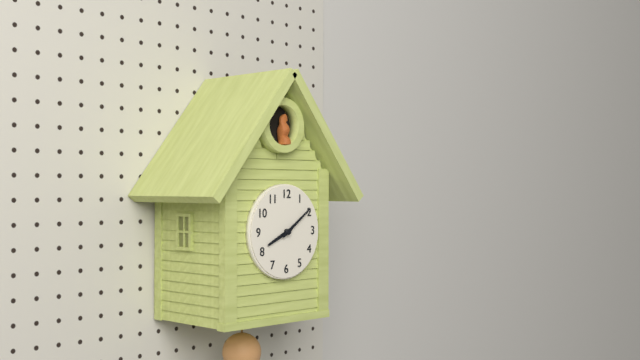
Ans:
h=8 m=9
